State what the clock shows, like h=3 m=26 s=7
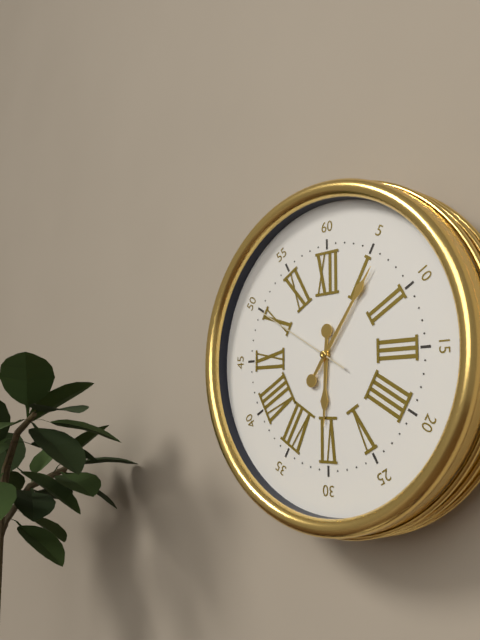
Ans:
h=6 m=6 s=50
